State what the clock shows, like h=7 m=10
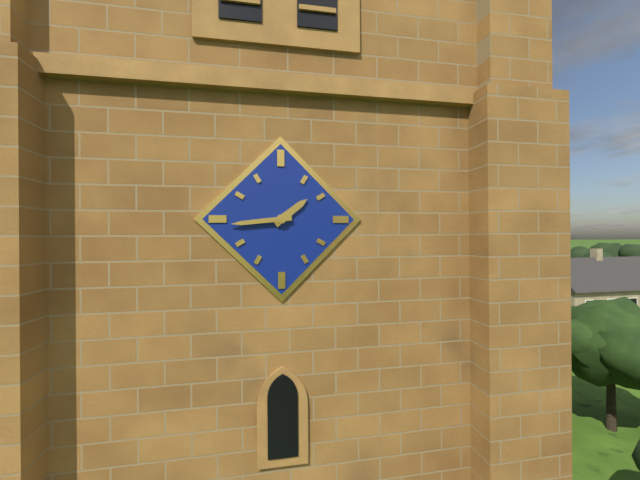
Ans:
h=1 m=44
